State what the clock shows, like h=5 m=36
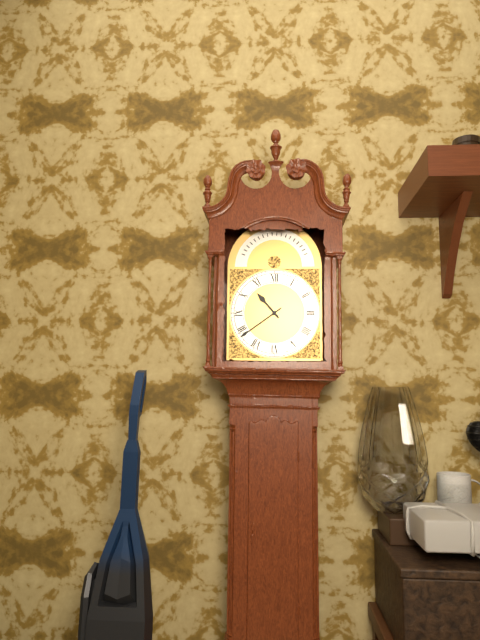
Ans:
h=10 m=39
